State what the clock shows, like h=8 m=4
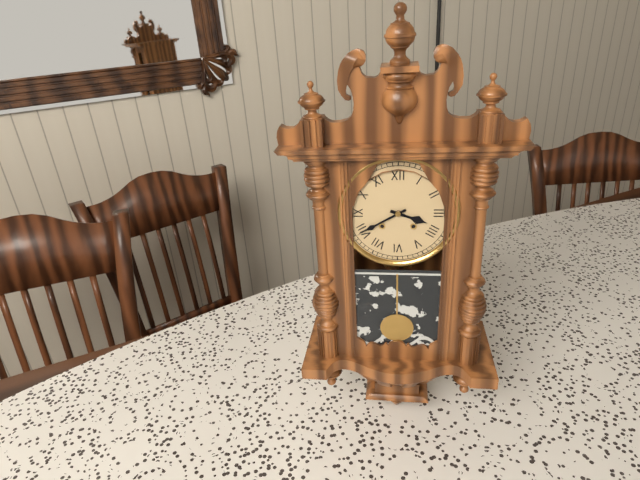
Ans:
h=3 m=40
